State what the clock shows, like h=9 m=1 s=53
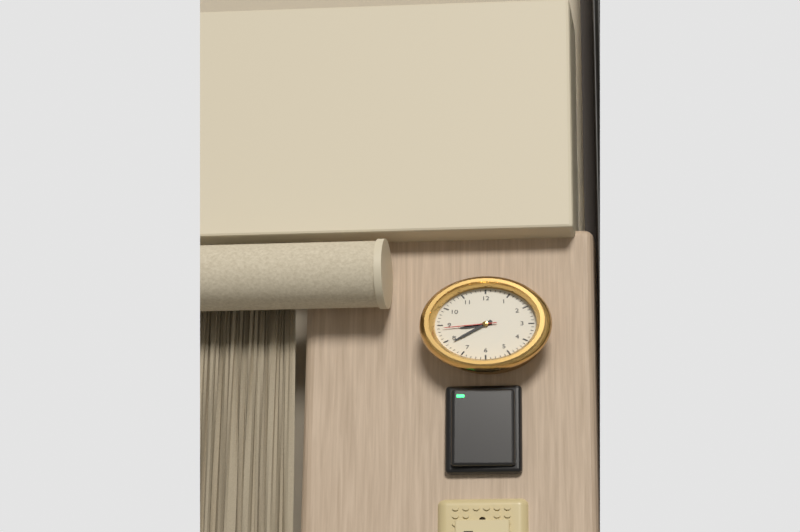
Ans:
h=8 m=39 s=44
